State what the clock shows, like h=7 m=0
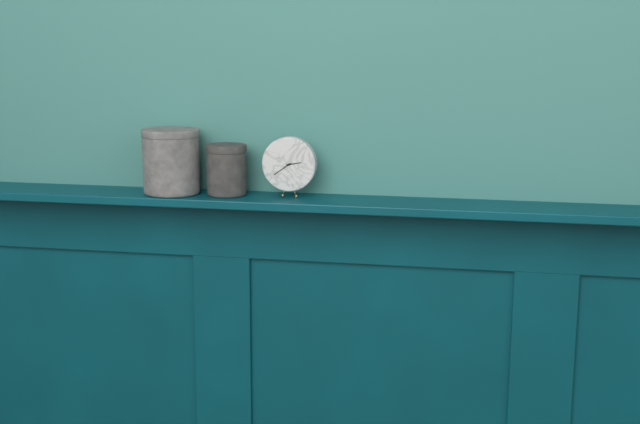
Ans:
h=2 m=39
